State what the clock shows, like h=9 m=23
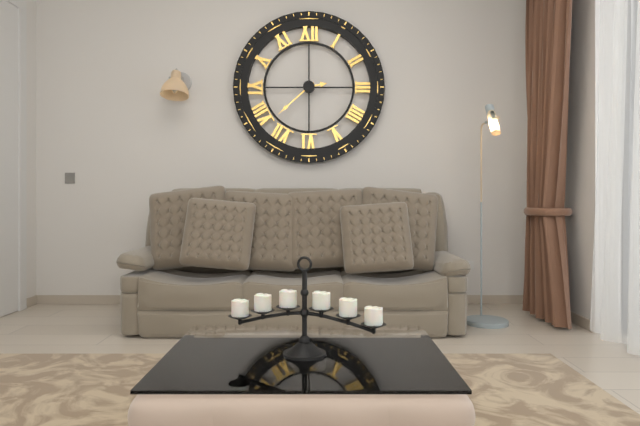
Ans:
h=2 m=38
